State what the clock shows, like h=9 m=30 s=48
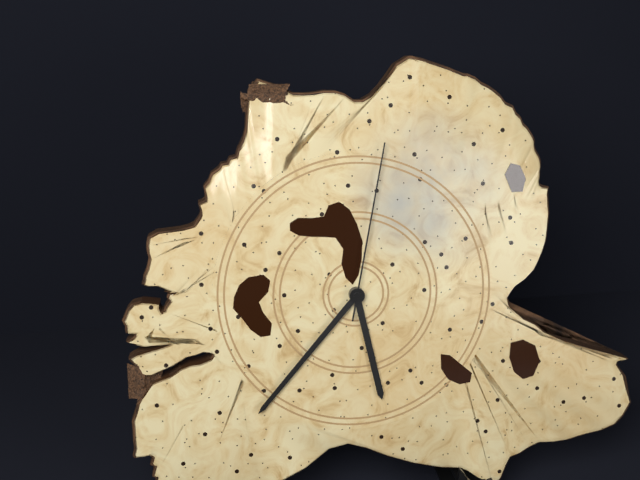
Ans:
h=5 m=37 s=2
